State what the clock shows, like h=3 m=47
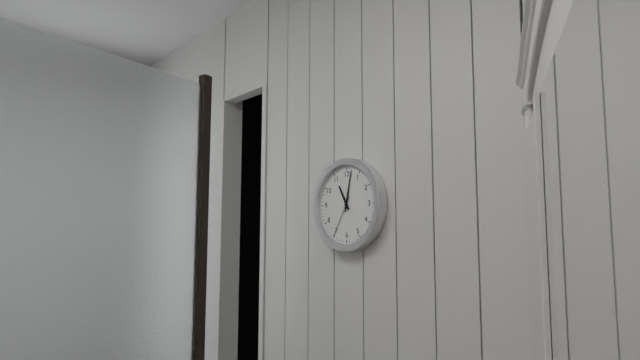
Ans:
h=11 m=2
